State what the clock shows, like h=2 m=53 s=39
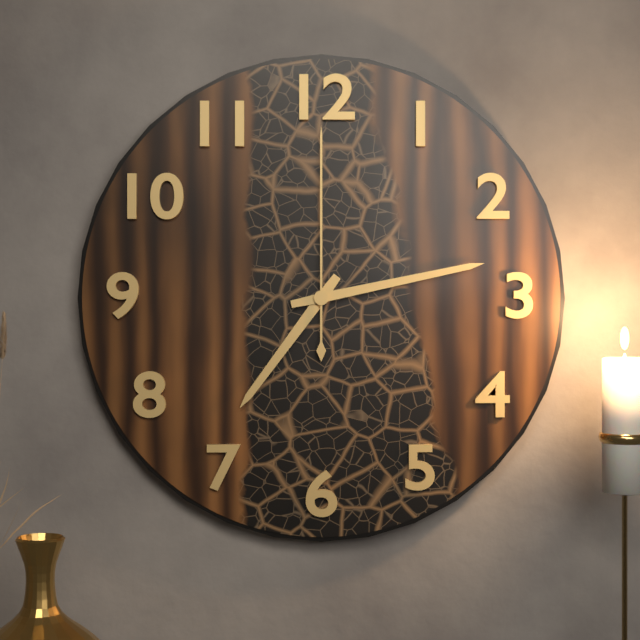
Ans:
h=7 m=13 s=0
